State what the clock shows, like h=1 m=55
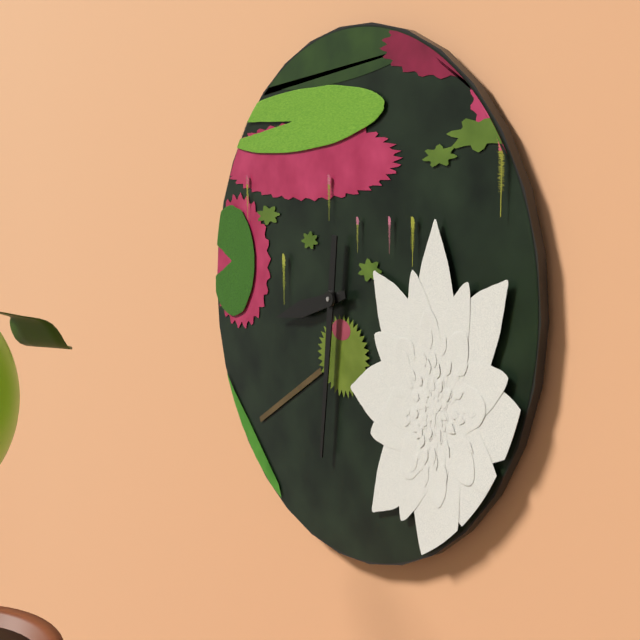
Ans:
h=8 m=31
